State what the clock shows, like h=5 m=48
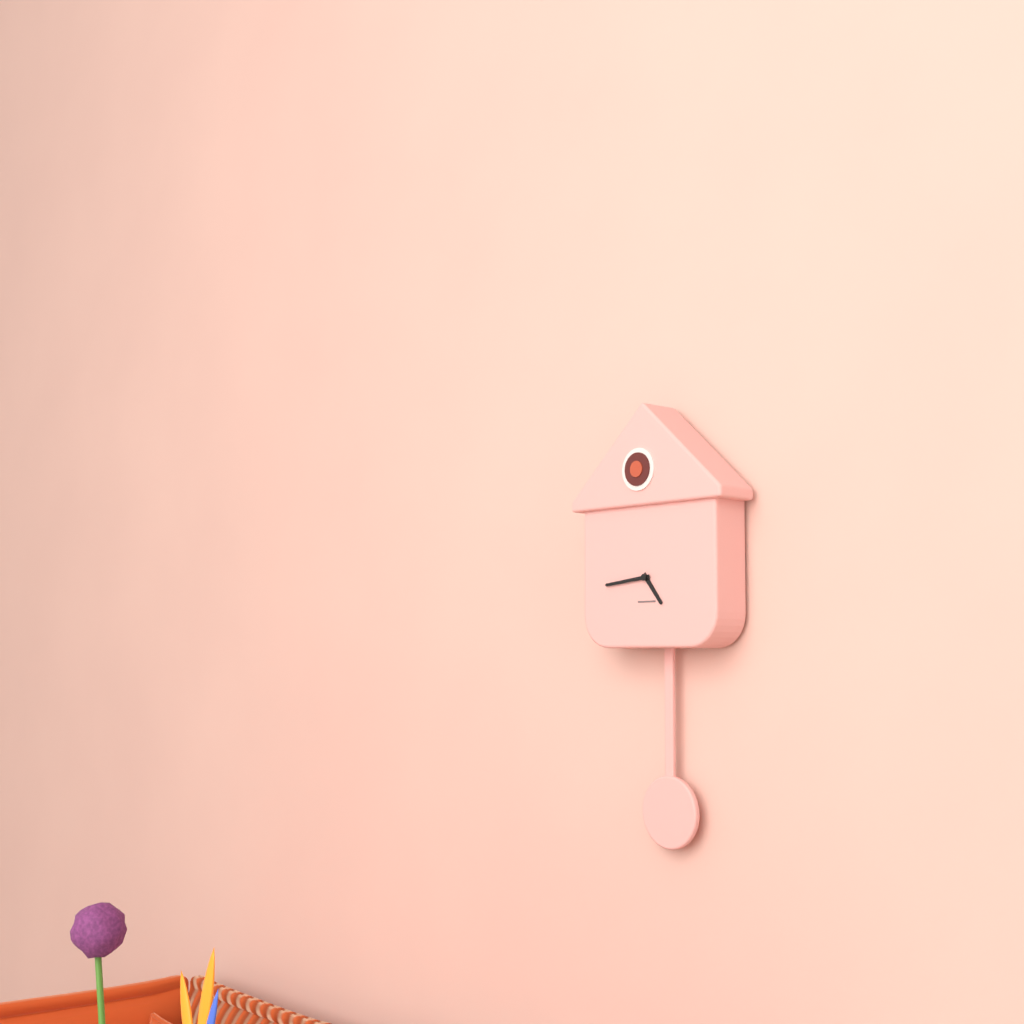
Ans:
h=4 m=44
